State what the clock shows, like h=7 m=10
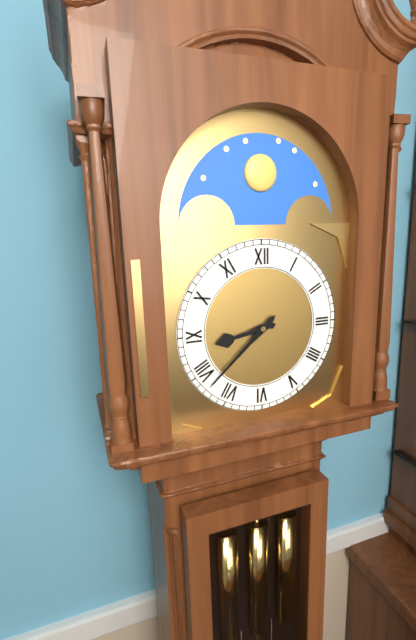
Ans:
h=8 m=38
